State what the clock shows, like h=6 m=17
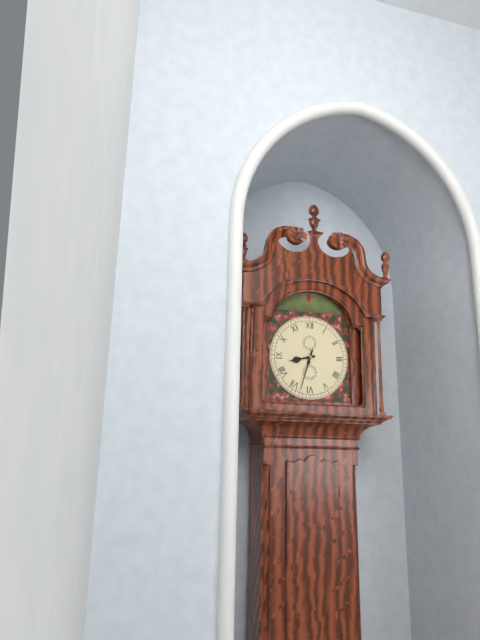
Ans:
h=8 m=33
